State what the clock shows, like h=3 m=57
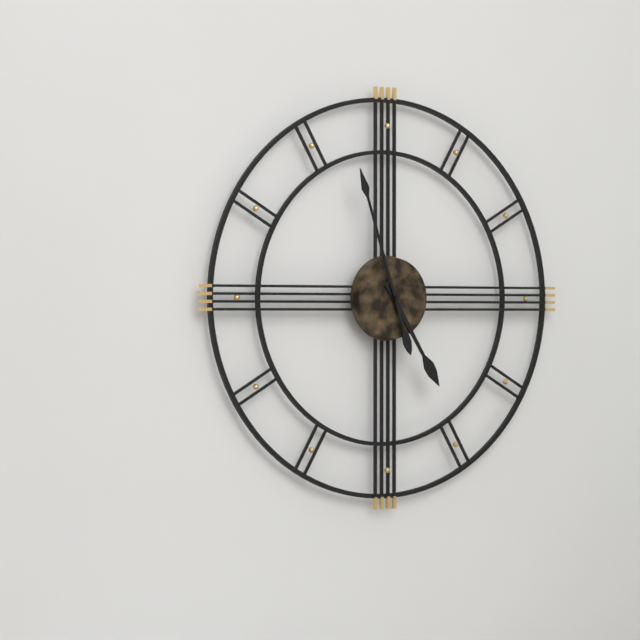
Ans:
h=4 m=57
